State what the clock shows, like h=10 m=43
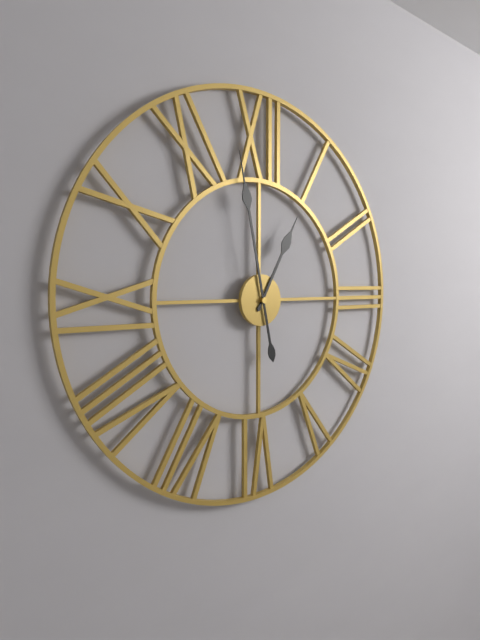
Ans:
h=12 m=58
